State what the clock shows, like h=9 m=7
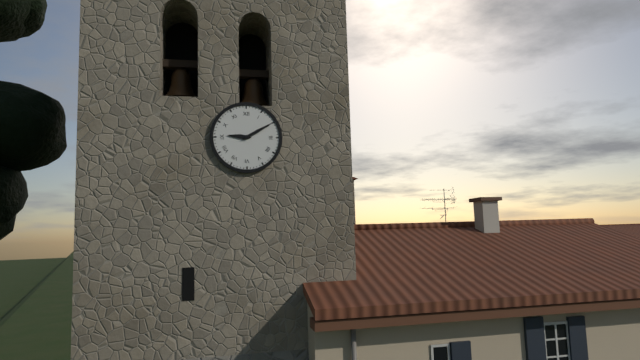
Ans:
h=9 m=10
